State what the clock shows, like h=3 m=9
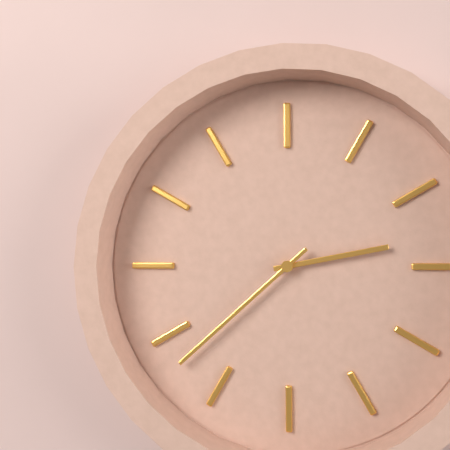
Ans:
h=2 m=38
